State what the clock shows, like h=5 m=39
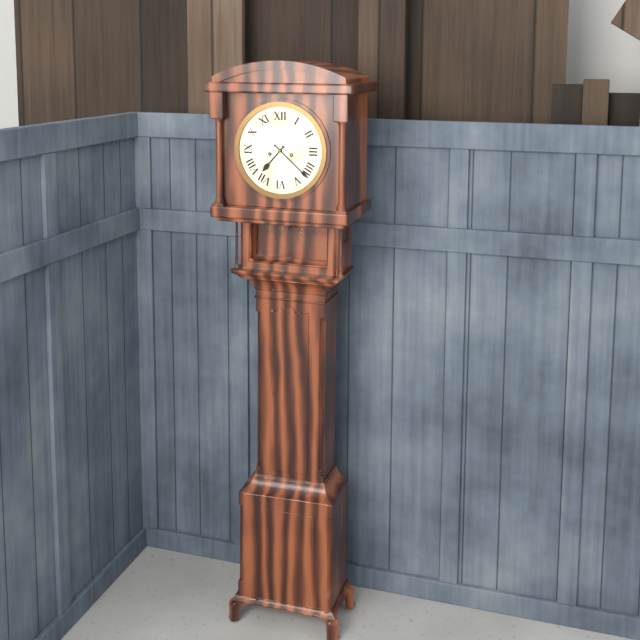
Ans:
h=7 m=22
